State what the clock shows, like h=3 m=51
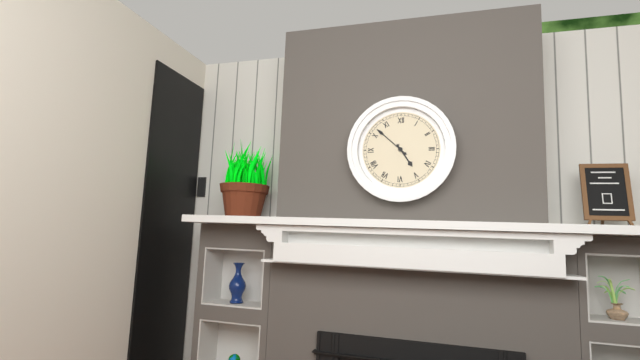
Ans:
h=4 m=52
